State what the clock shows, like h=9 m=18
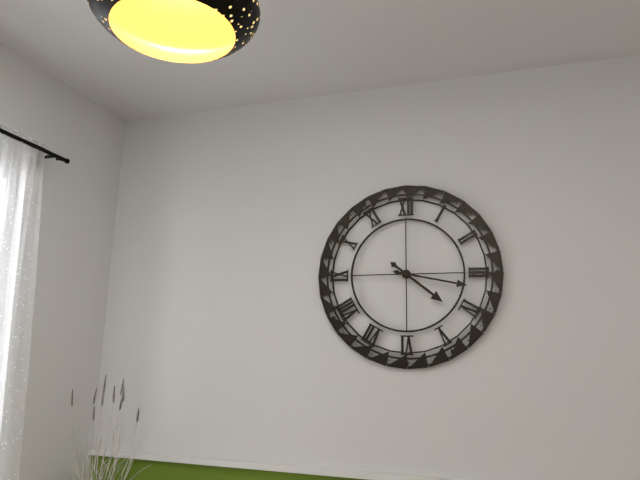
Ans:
h=4 m=17
